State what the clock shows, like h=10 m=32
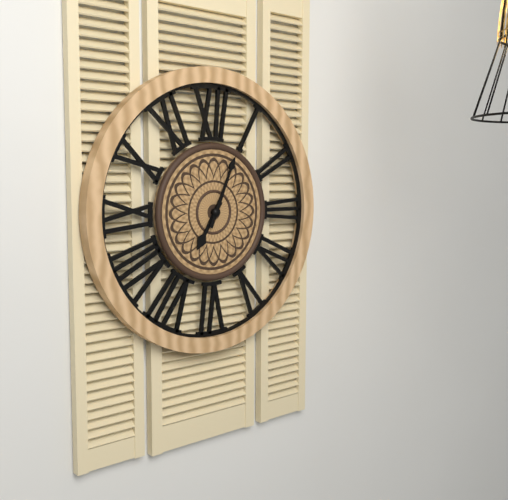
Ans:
h=7 m=4
